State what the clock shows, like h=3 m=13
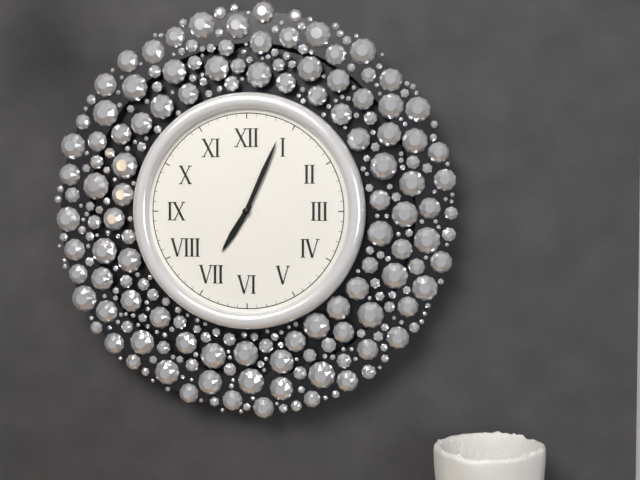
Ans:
h=7 m=4
